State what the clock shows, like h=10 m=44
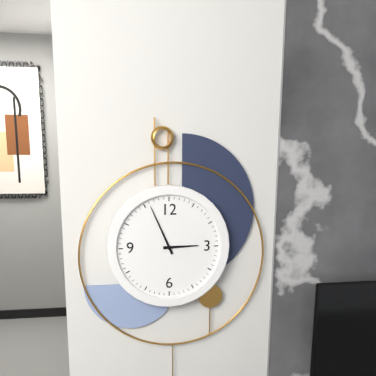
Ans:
h=2 m=56
